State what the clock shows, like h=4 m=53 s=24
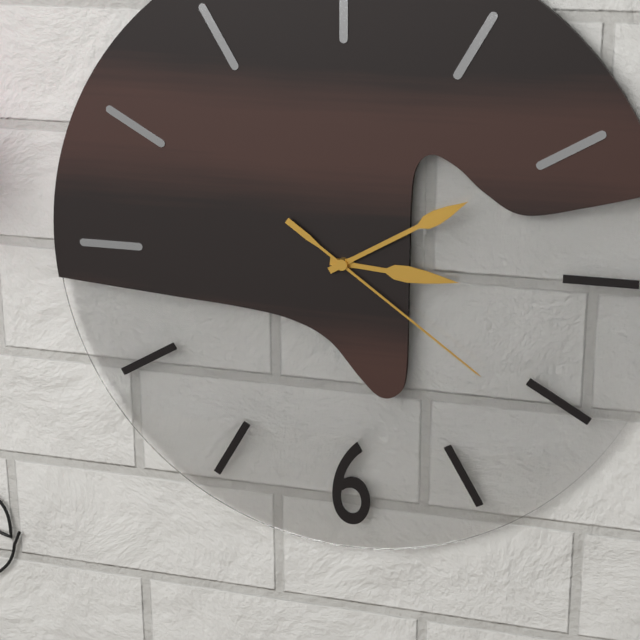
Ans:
h=3 m=10 s=21
